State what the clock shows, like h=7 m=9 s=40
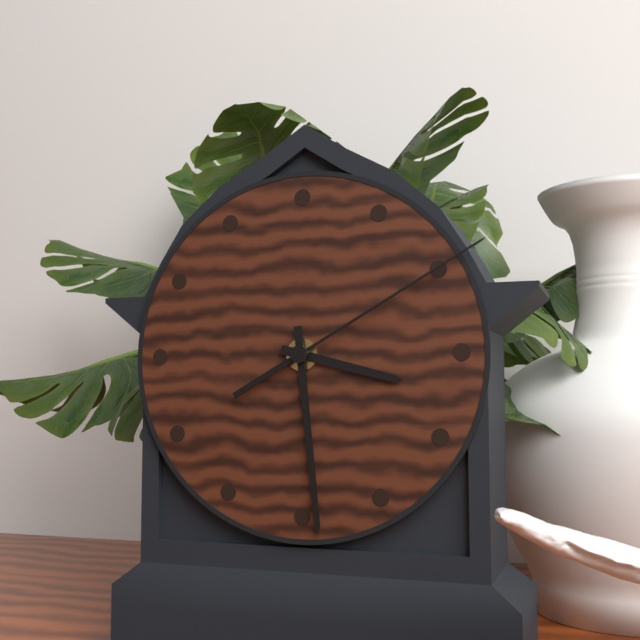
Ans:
h=3 m=29 s=10
